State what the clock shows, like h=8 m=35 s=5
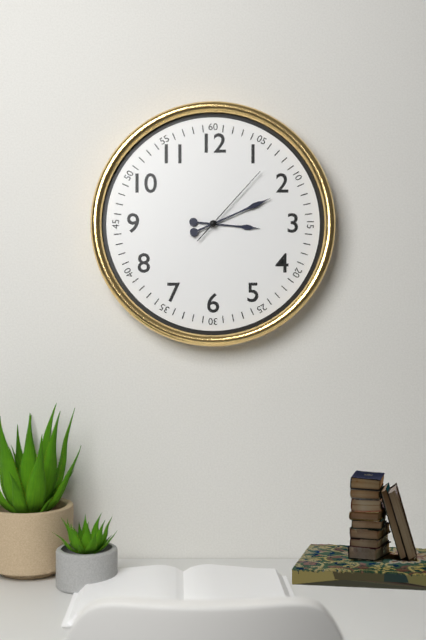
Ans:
h=3 m=11 s=7
